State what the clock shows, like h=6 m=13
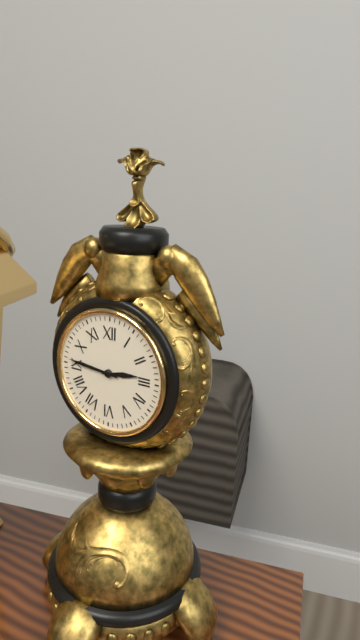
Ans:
h=2 m=46
